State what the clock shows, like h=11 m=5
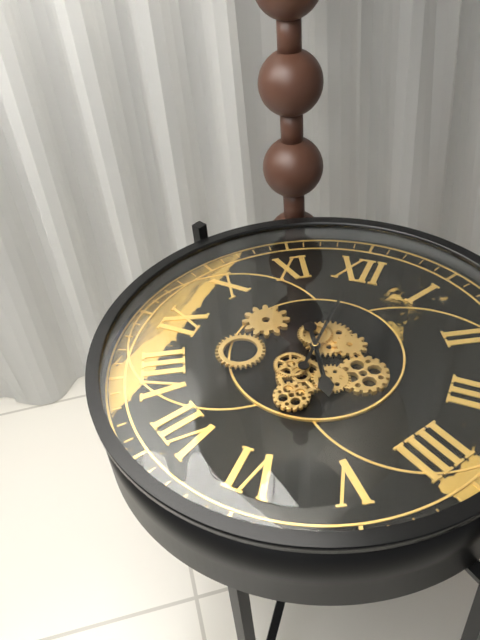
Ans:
h=5 m=0
